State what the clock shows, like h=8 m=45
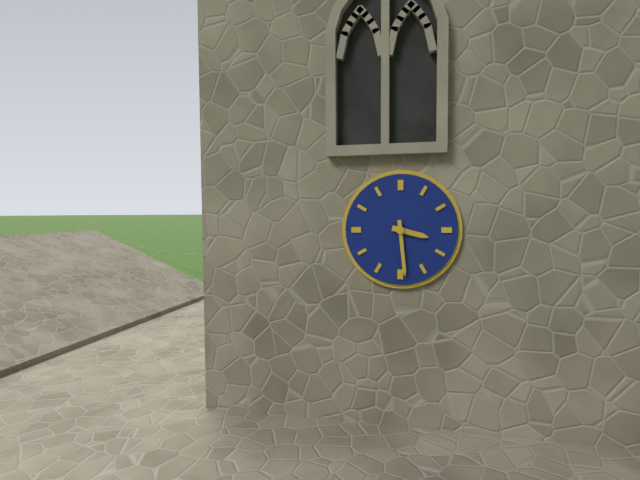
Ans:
h=3 m=29
